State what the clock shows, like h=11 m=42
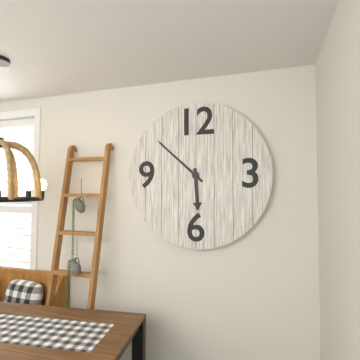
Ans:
h=5 m=52
